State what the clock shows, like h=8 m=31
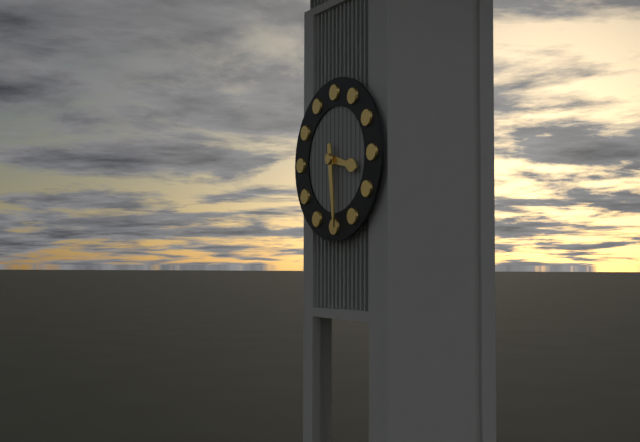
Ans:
h=3 m=29
